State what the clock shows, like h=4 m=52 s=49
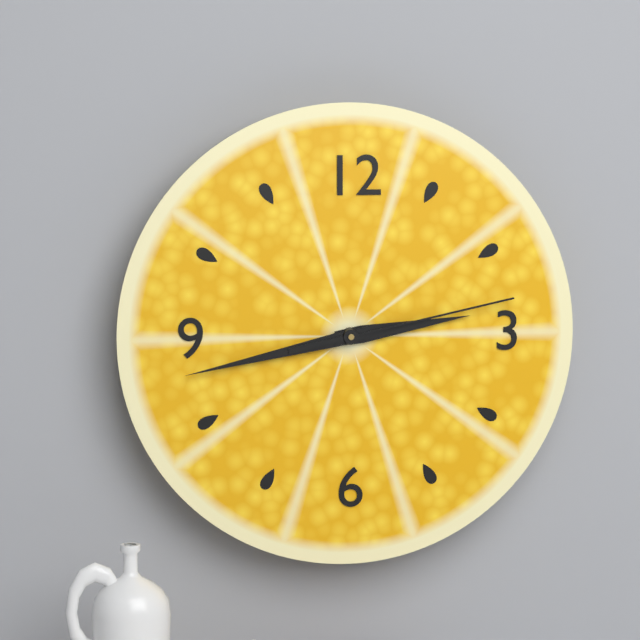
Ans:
h=2 m=43 s=13
